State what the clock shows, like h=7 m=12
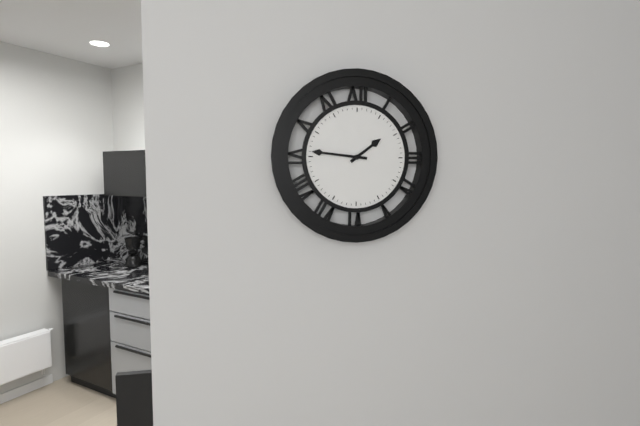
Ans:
h=1 m=46
